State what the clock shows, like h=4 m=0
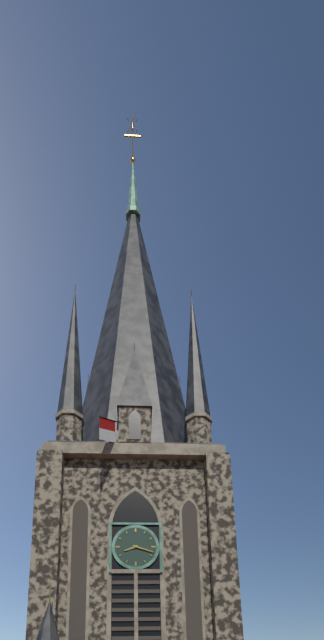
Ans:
h=8 m=18
